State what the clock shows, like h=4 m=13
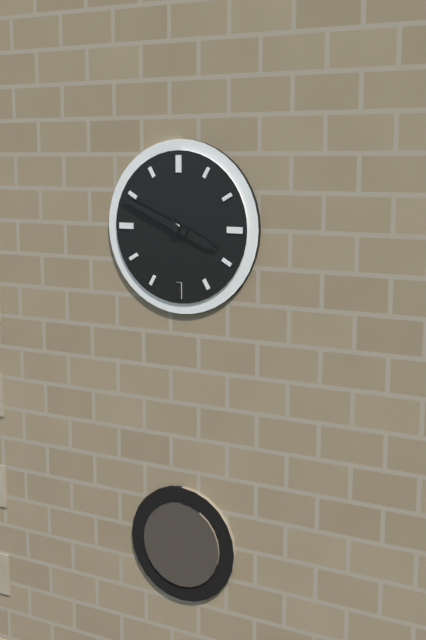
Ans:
h=3 m=49
